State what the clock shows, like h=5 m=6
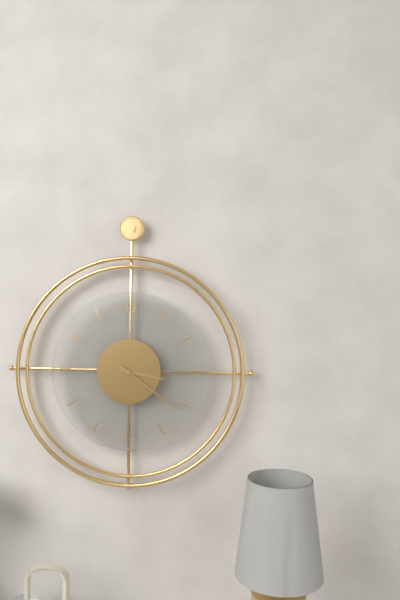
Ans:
h=3 m=21
